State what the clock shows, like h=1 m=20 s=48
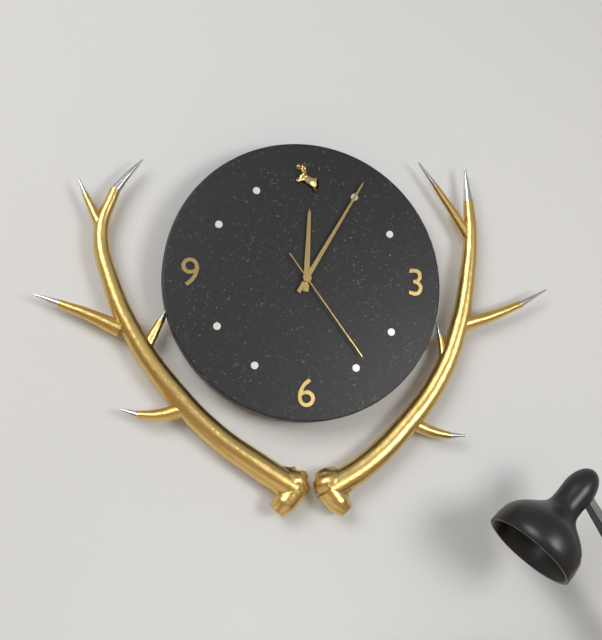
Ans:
h=12 m=5 s=24
